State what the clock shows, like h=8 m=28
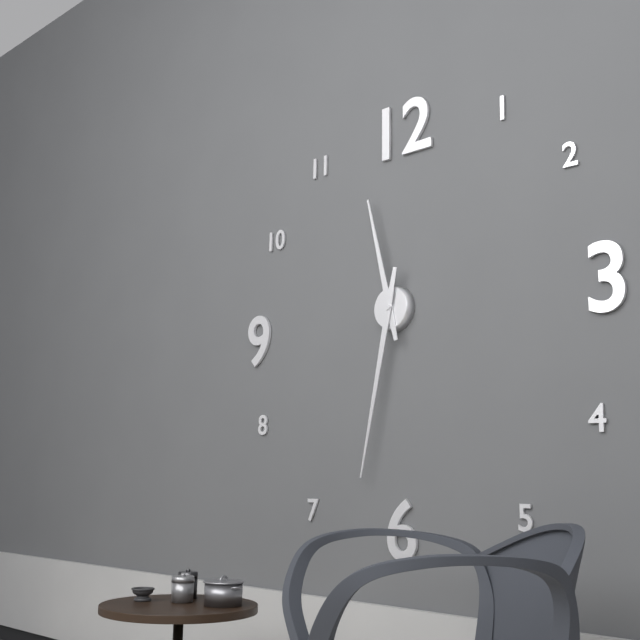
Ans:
h=11 m=32
